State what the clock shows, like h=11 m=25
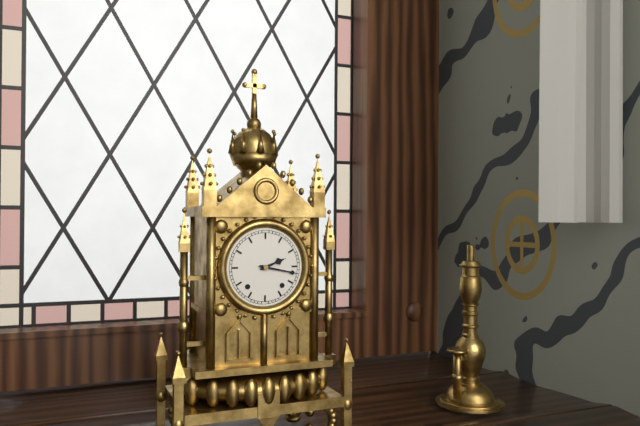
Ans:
h=2 m=17
